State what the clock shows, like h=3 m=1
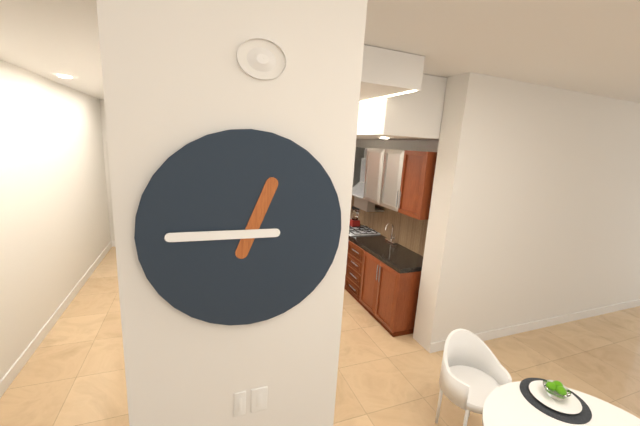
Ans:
h=12 m=45
